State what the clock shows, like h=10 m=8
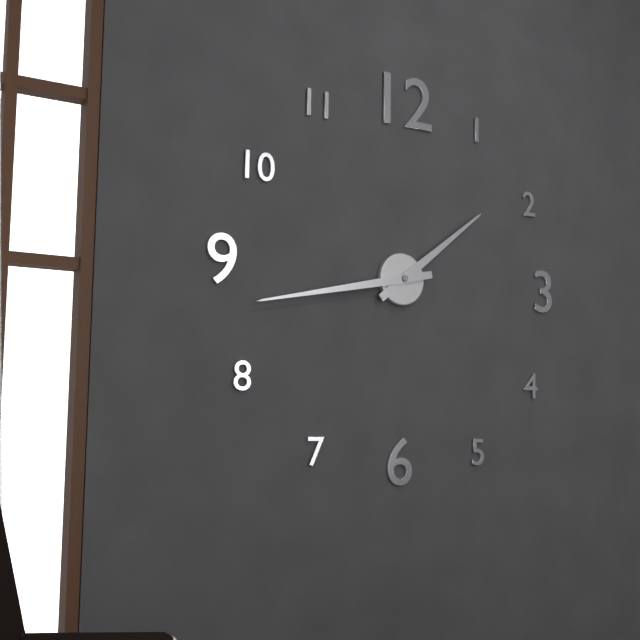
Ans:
h=1 m=43
